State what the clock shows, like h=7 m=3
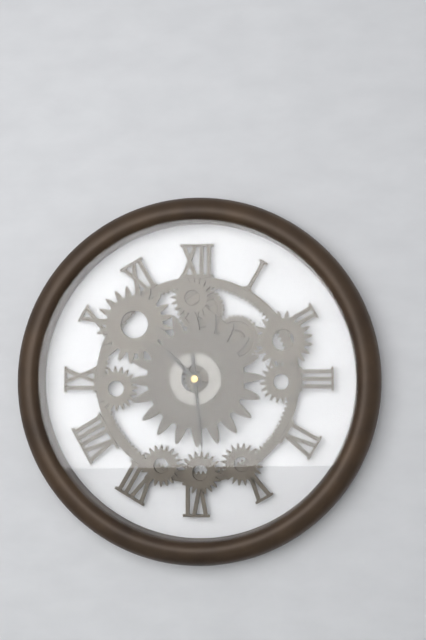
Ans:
h=10 m=29
